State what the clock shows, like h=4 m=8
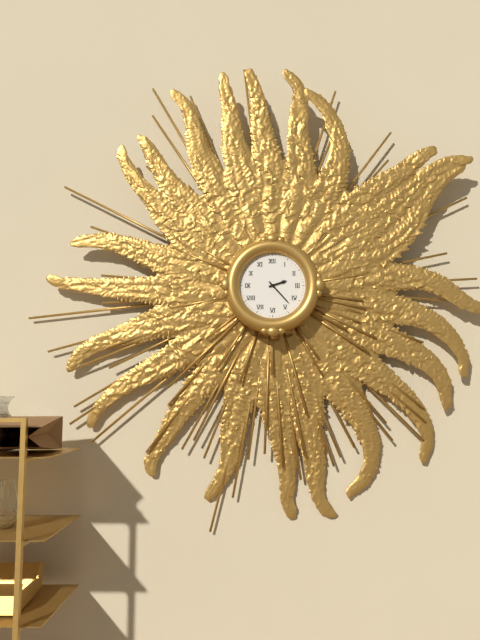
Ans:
h=2 m=23
